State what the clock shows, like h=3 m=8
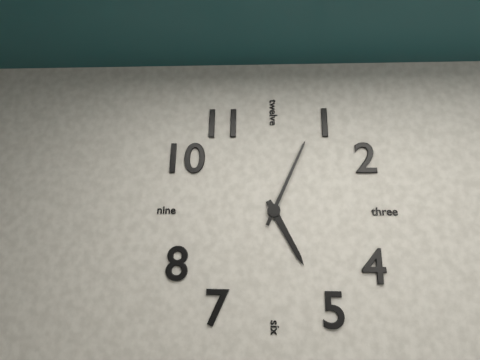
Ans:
h=5 m=4
